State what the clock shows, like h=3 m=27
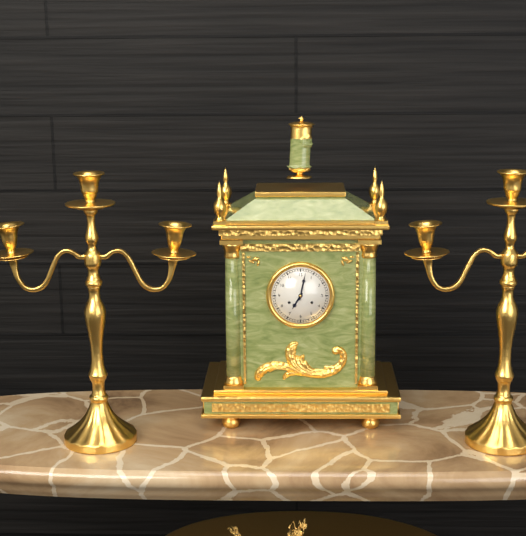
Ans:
h=7 m=2
